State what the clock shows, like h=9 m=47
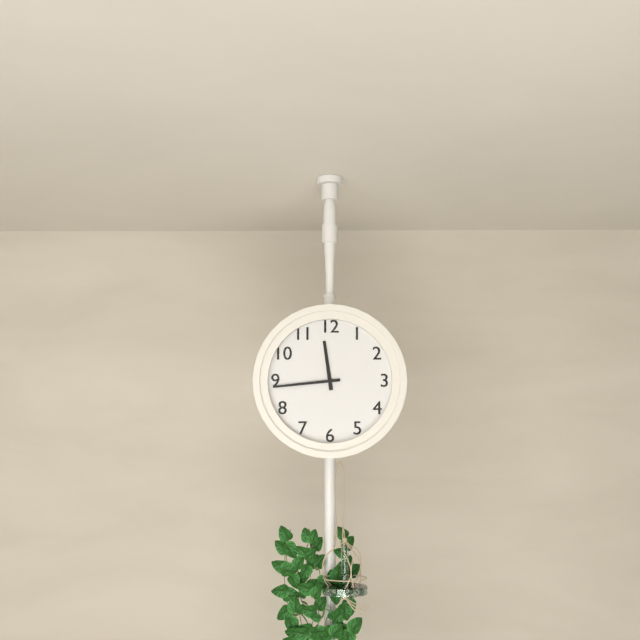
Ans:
h=11 m=44
